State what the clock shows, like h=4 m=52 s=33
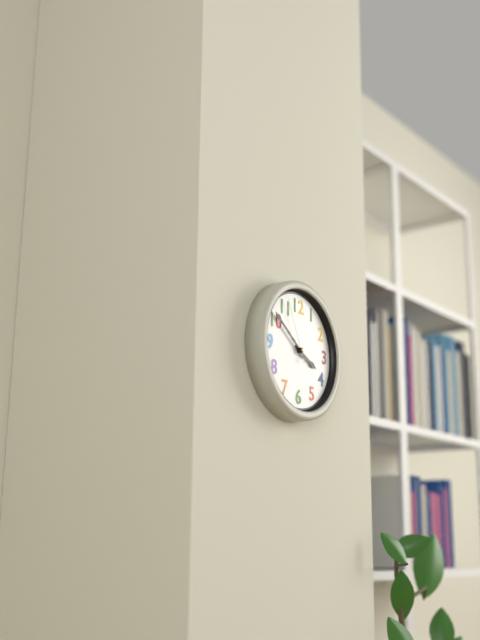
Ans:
h=3 m=51 s=56
